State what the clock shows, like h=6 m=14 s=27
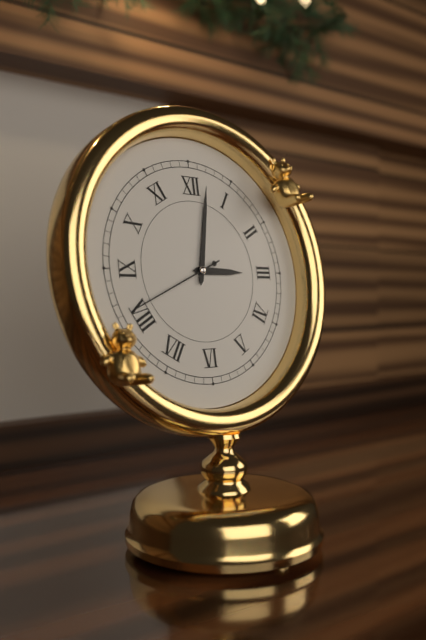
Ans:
h=3 m=2 s=41
